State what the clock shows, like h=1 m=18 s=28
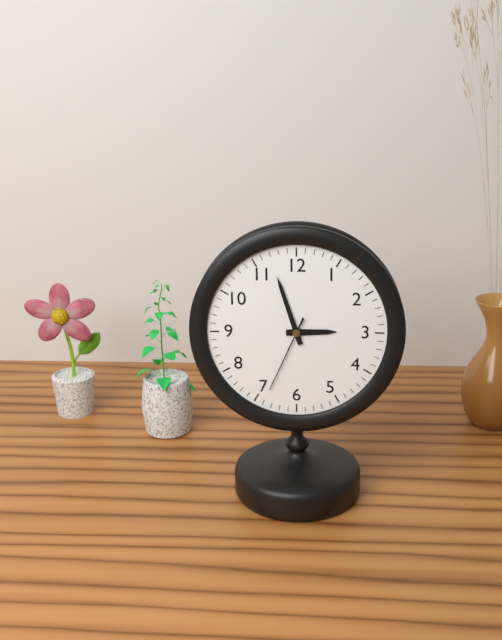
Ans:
h=2 m=57 s=34
